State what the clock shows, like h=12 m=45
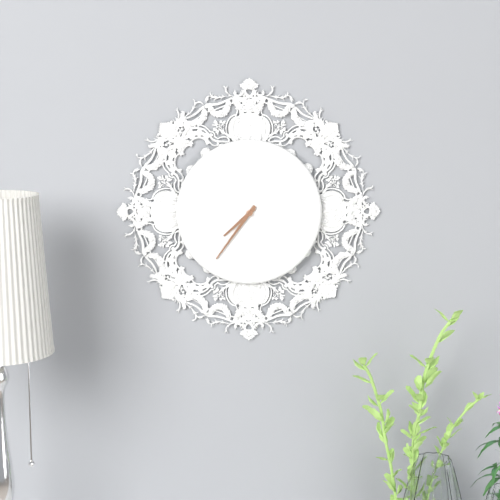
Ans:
h=7 m=36
